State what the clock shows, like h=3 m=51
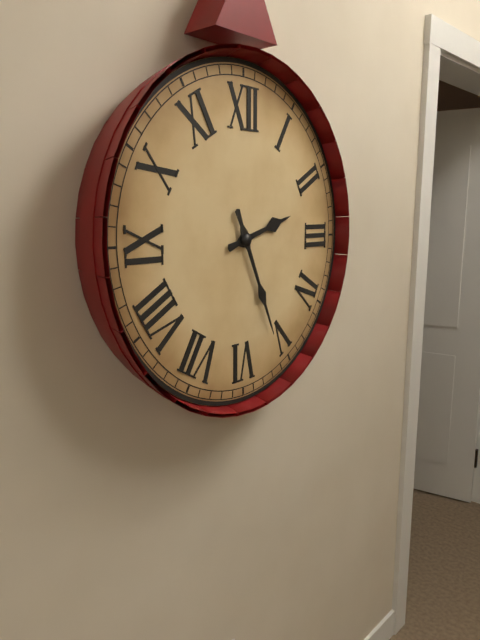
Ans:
h=2 m=26
